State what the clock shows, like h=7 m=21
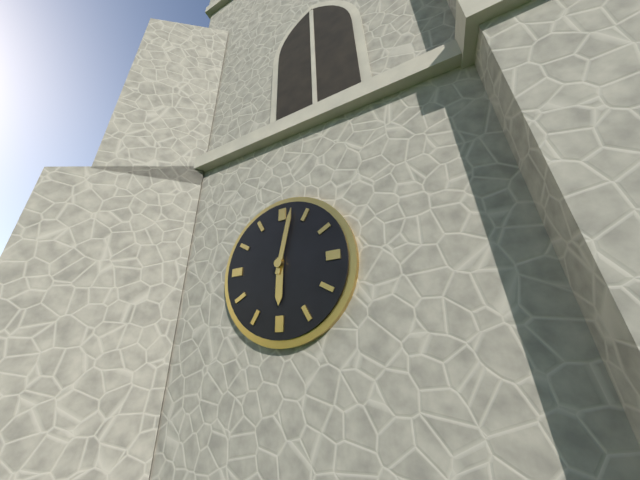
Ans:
h=6 m=2
